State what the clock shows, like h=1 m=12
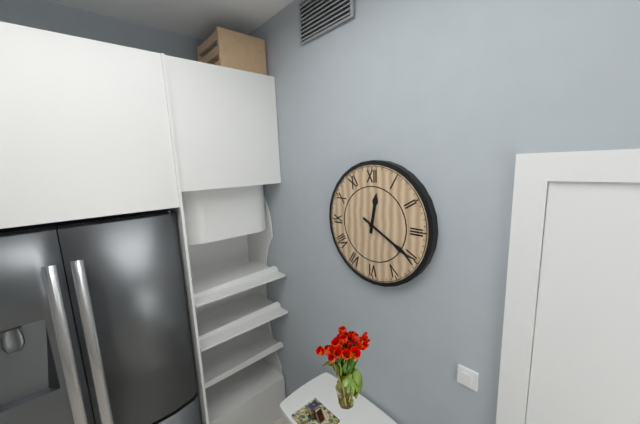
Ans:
h=12 m=20
